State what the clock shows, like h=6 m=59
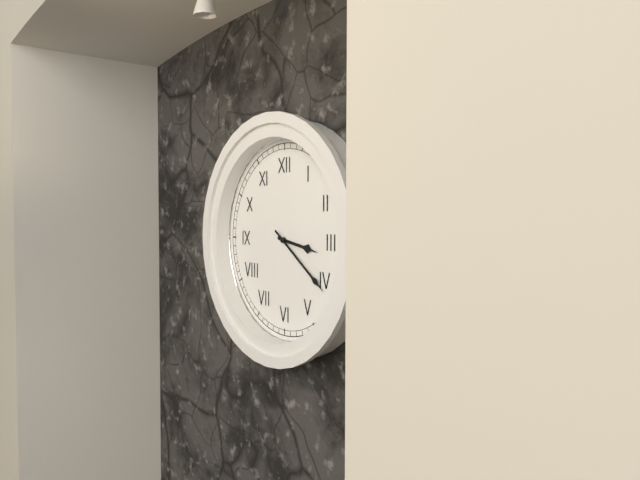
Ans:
h=3 m=21
